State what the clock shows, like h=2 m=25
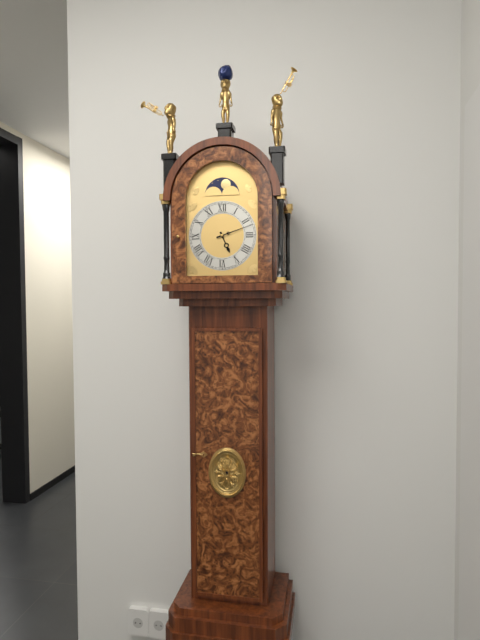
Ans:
h=5 m=12
